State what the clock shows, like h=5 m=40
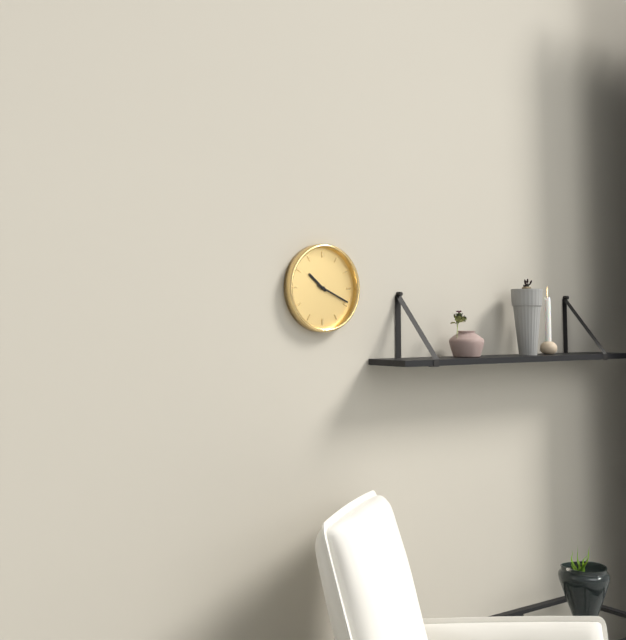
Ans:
h=10 m=19
